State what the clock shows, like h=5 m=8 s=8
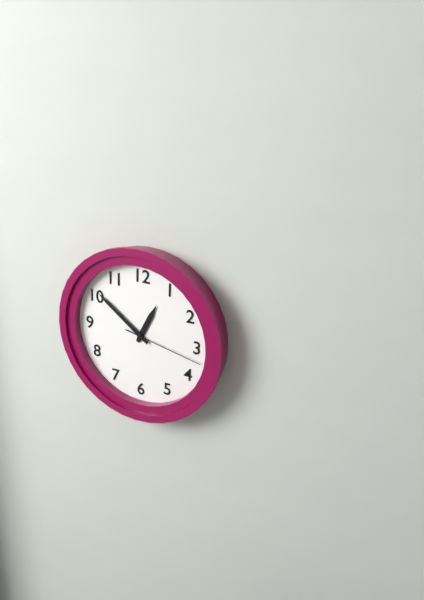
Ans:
h=12 m=51 s=17
